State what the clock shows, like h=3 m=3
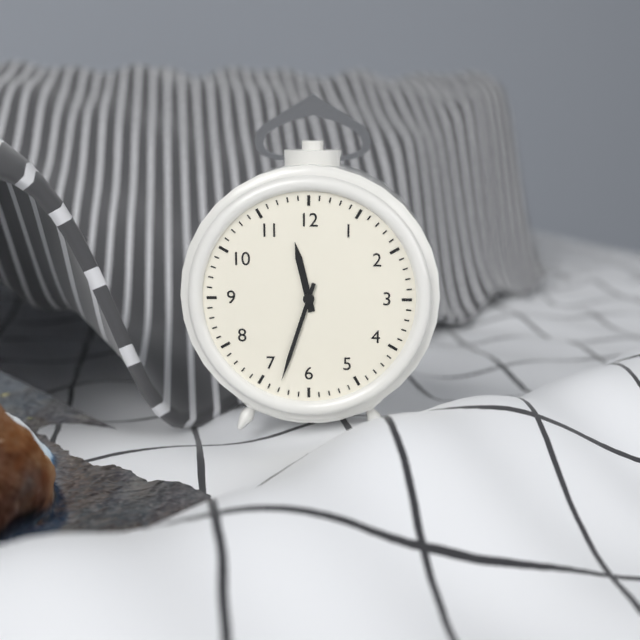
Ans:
h=11 m=33
